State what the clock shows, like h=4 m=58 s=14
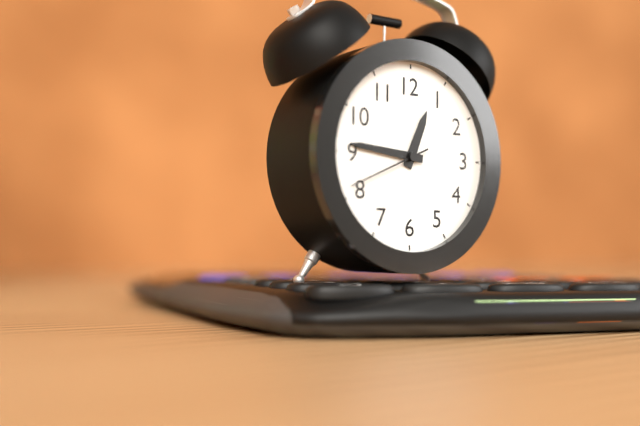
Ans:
h=12 m=46 s=41
